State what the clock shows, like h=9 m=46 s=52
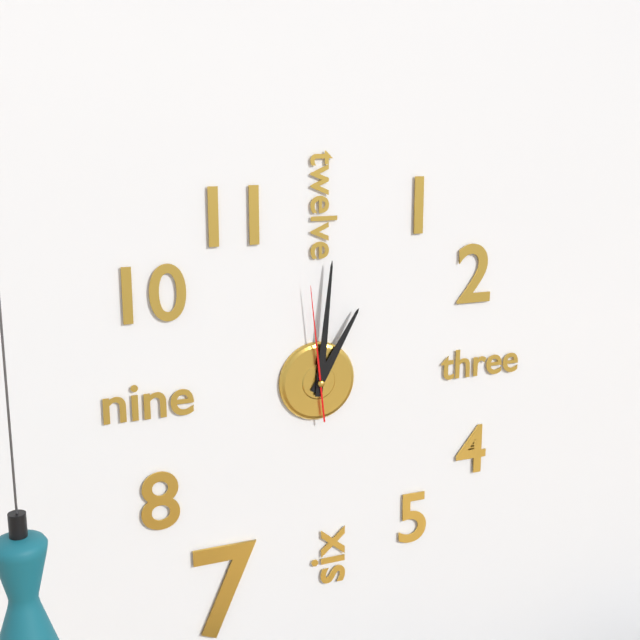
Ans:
h=1 m=1 s=59
